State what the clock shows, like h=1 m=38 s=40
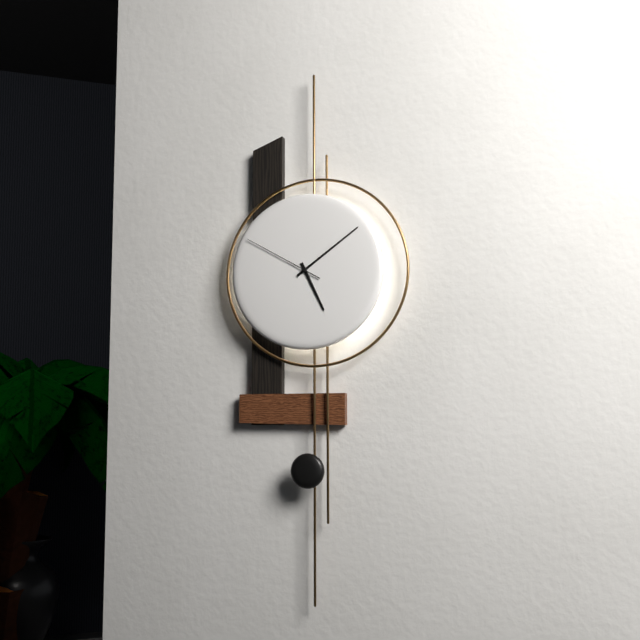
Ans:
h=5 m=9 s=50
